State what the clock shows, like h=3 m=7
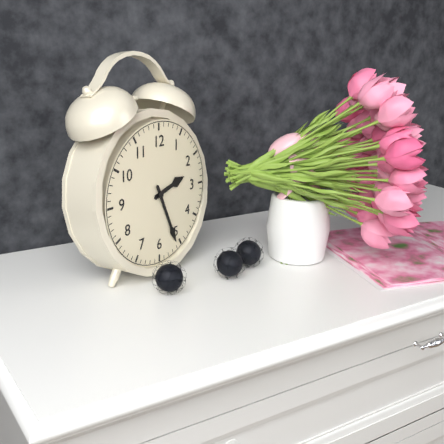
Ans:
h=2 m=26
